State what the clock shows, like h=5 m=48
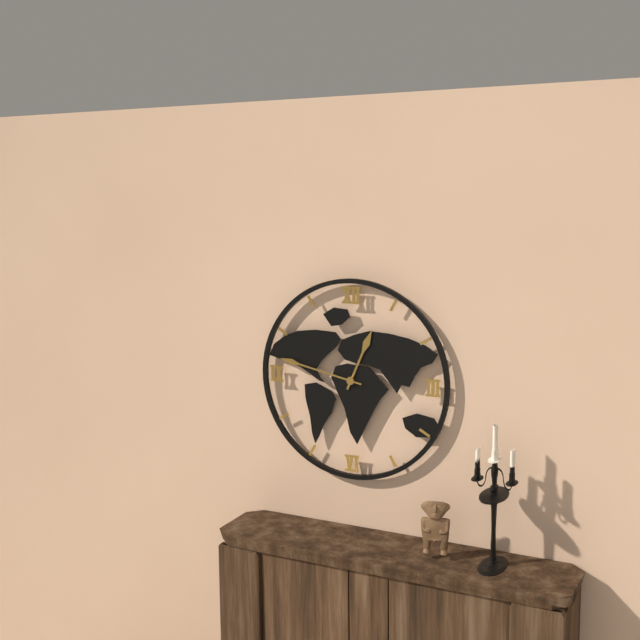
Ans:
h=12 m=47
